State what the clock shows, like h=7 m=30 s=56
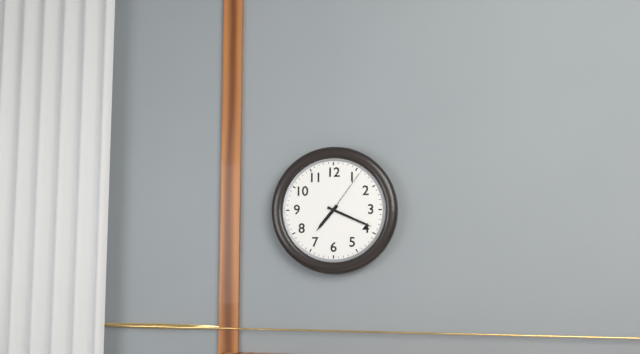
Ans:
h=7 m=19 s=6
